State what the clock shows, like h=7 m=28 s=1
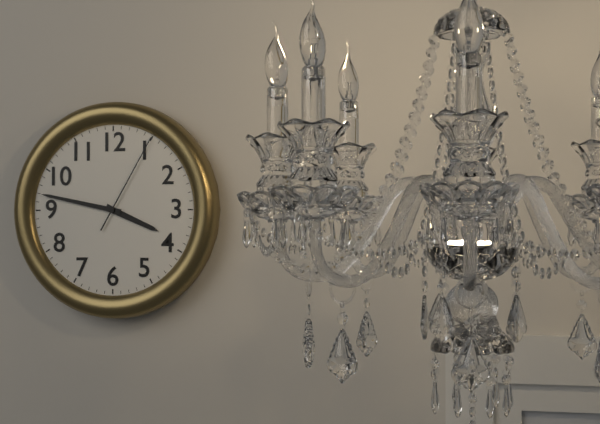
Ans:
h=3 m=47 s=5
